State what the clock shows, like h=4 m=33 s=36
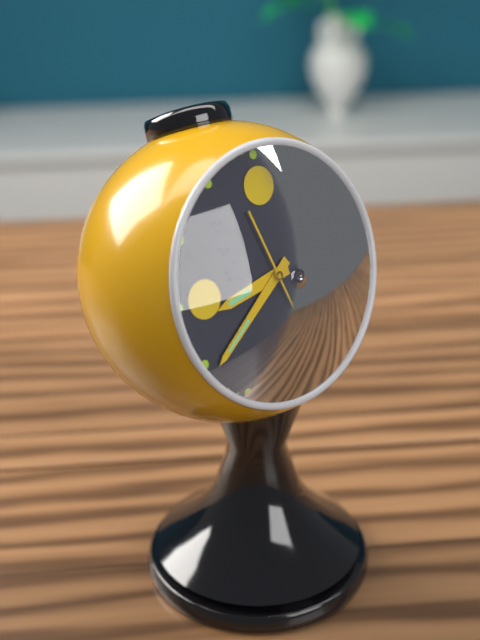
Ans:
h=8 m=39 s=27
